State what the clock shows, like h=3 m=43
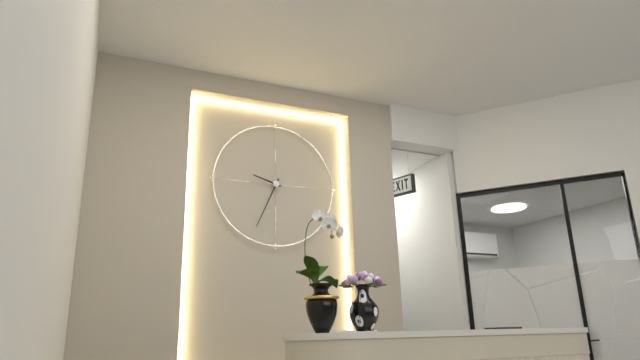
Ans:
h=9 m=34
